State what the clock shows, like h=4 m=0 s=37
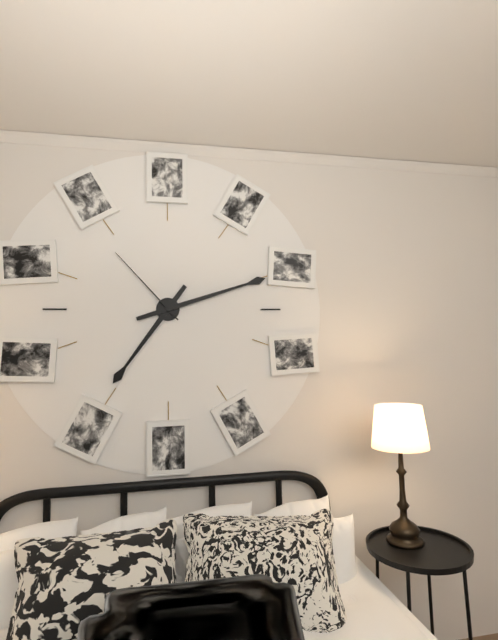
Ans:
h=7 m=12 s=53
